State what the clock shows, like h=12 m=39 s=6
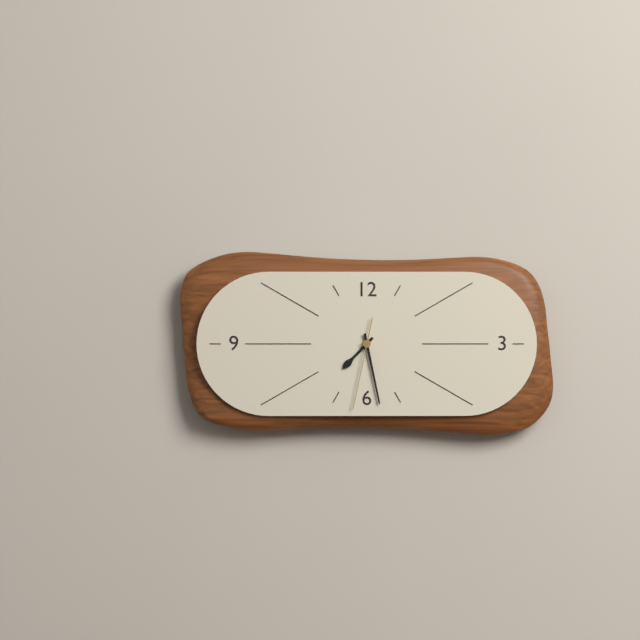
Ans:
h=7 m=28 s=32
